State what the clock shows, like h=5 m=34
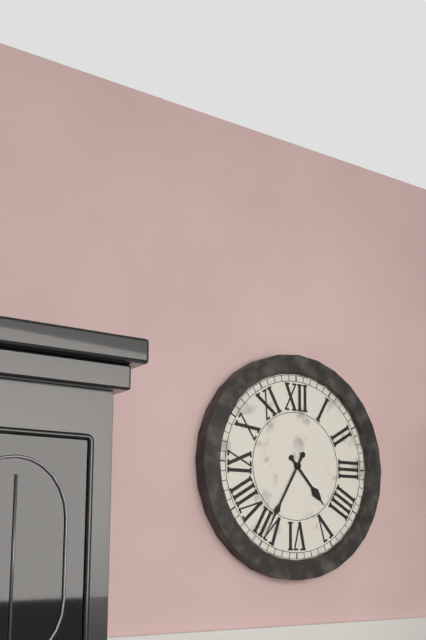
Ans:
h=4 m=35
